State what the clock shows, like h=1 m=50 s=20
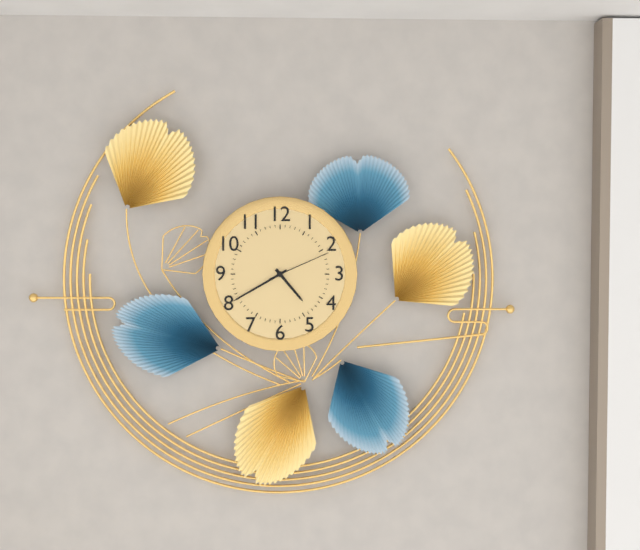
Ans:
h=4 m=40 s=11
